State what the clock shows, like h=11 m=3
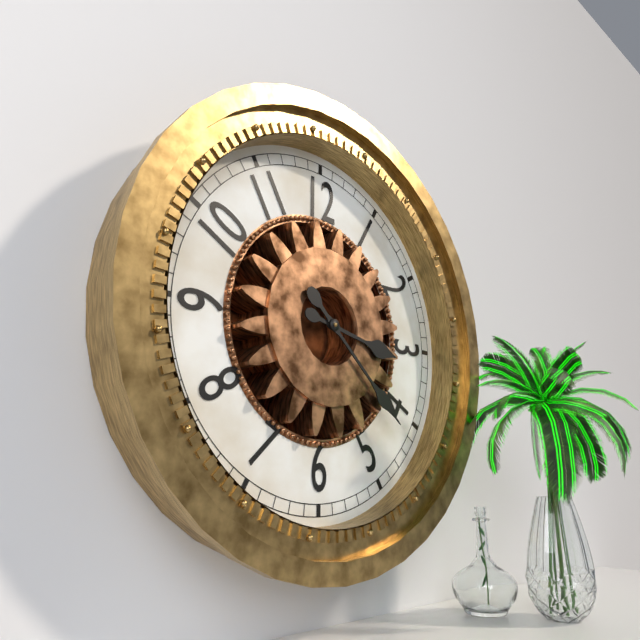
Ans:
h=3 m=22
